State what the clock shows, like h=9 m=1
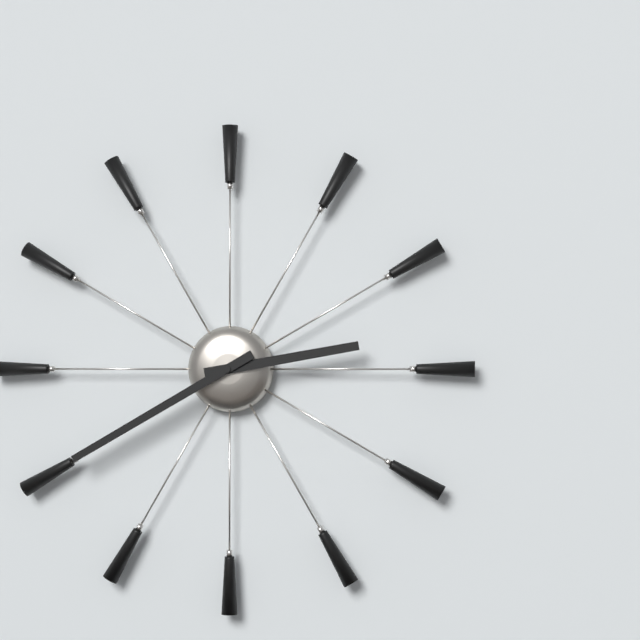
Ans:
h=2 m=40
